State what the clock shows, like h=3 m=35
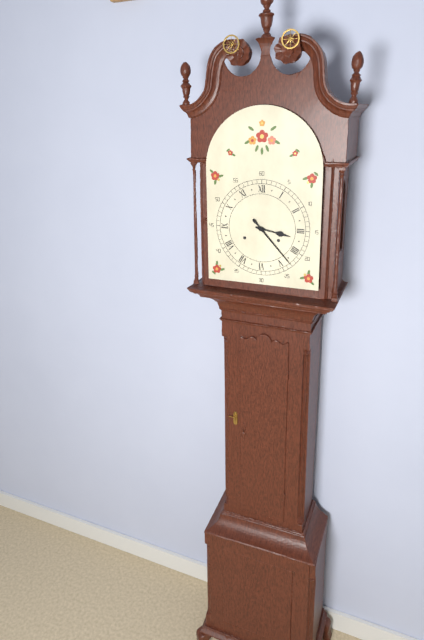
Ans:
h=3 m=23
